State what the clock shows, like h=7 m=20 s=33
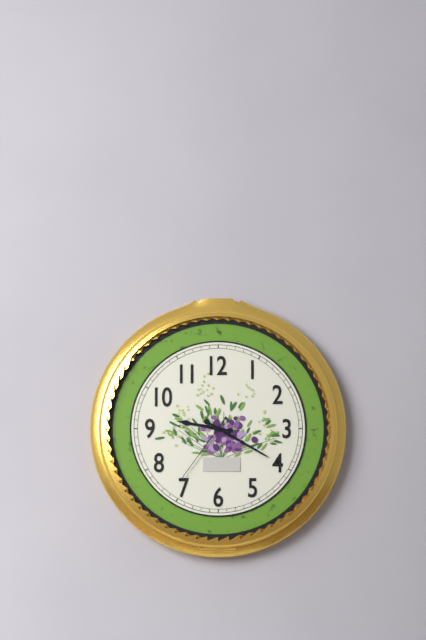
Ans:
h=9 m=20 s=36
